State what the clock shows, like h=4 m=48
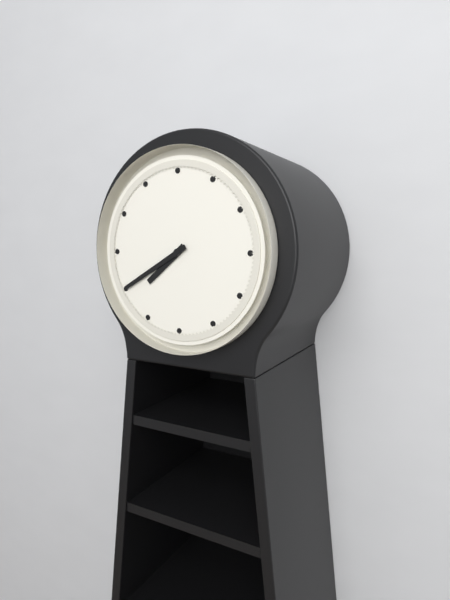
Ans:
h=7 m=40
